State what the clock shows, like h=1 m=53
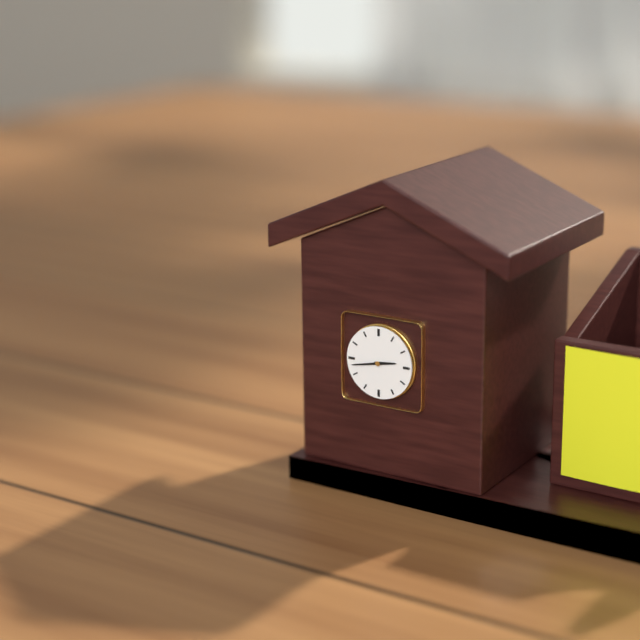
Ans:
h=2 m=43
